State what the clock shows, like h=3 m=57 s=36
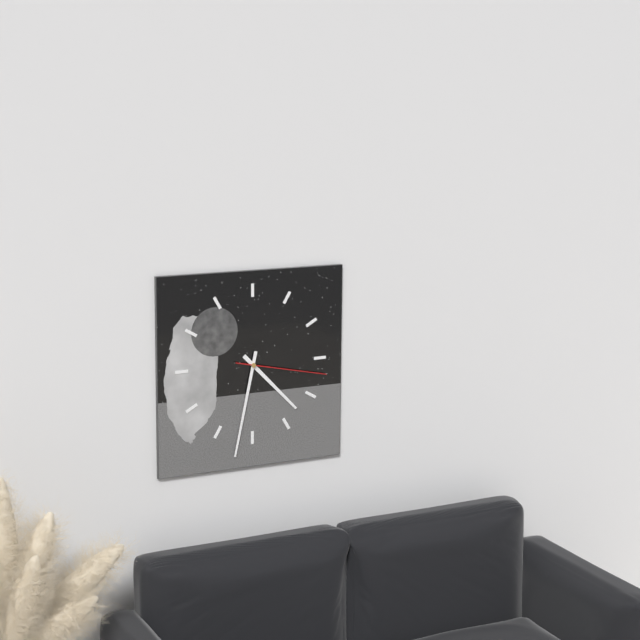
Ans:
h=4 m=32 s=17
